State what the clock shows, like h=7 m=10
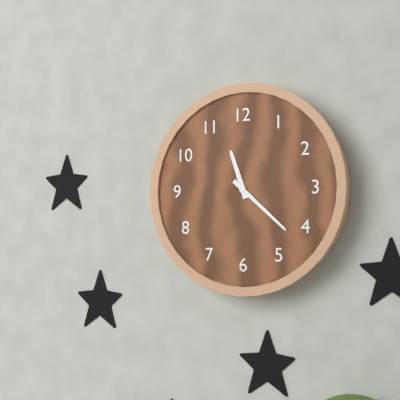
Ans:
h=11 m=22
